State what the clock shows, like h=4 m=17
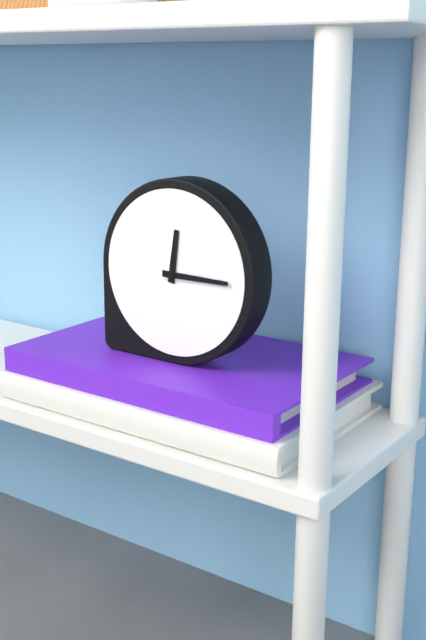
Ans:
h=12 m=15
